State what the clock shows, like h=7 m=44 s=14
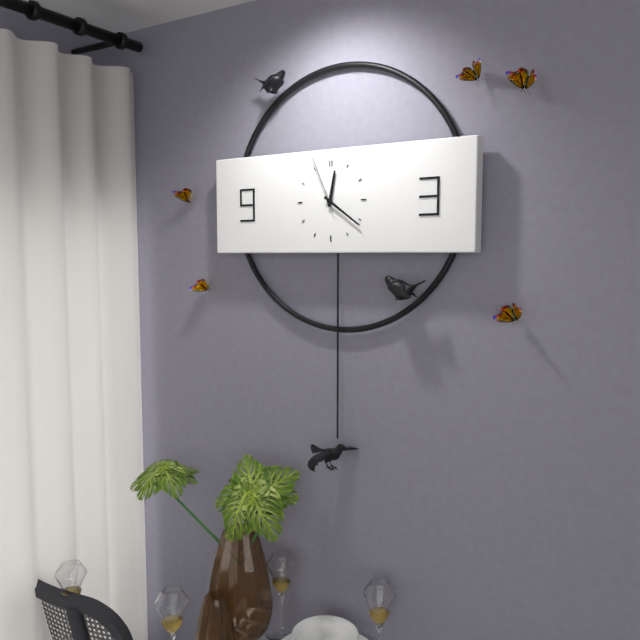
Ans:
h=12 m=21 s=56
